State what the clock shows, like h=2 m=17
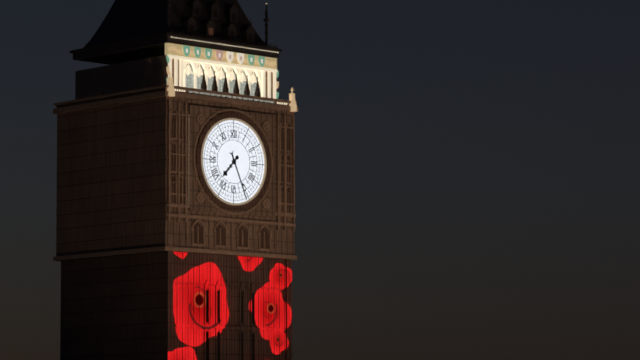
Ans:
h=7 m=26
